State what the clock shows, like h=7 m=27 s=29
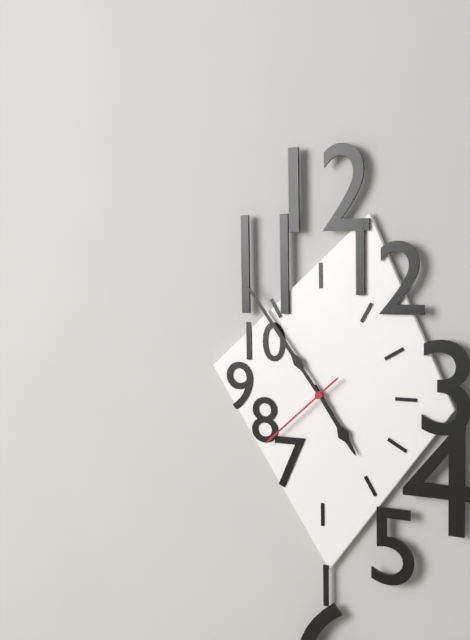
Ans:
h=4 m=54 s=38
